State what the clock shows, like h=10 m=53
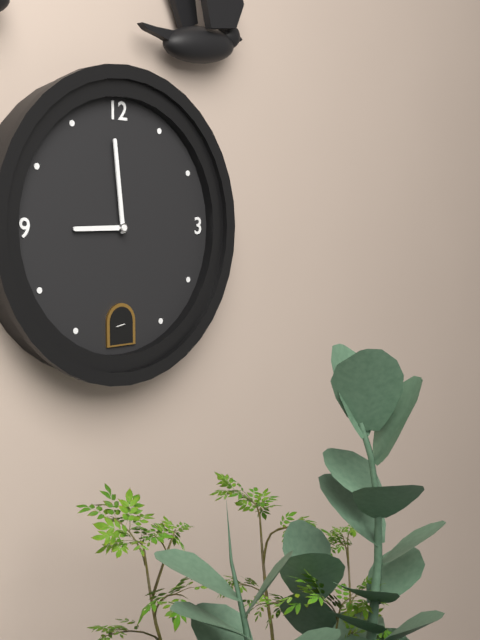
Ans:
h=8 m=59
